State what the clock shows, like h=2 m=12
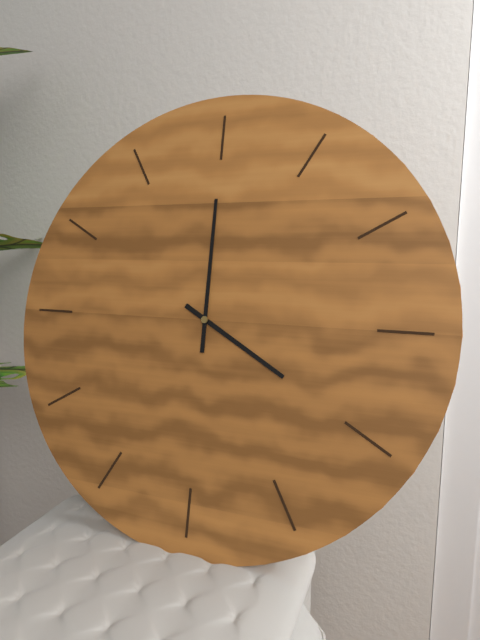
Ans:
h=4 m=0
